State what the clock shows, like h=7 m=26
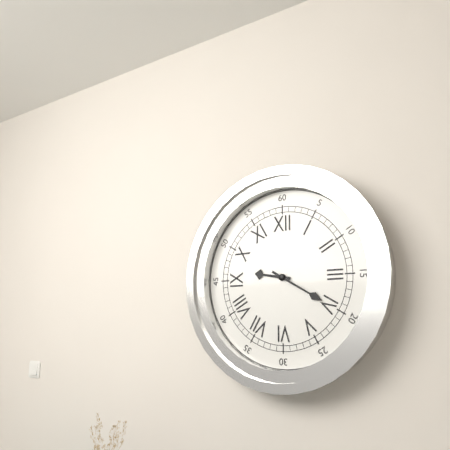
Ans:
h=9 m=20
